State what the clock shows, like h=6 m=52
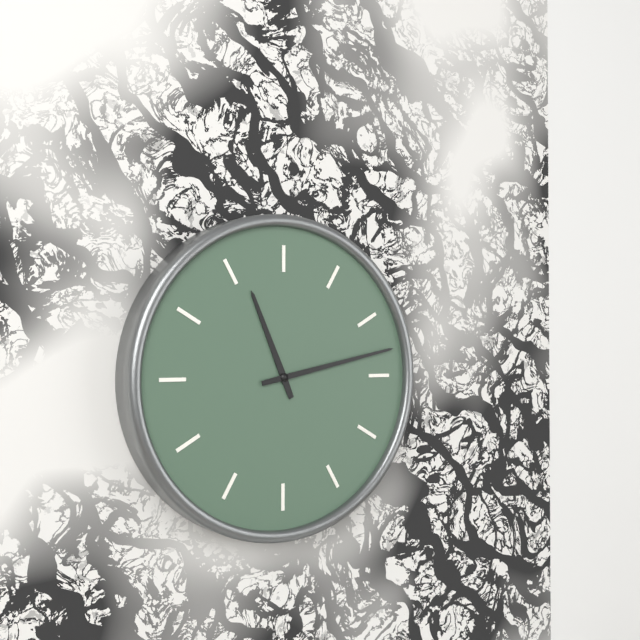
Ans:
h=11 m=13
